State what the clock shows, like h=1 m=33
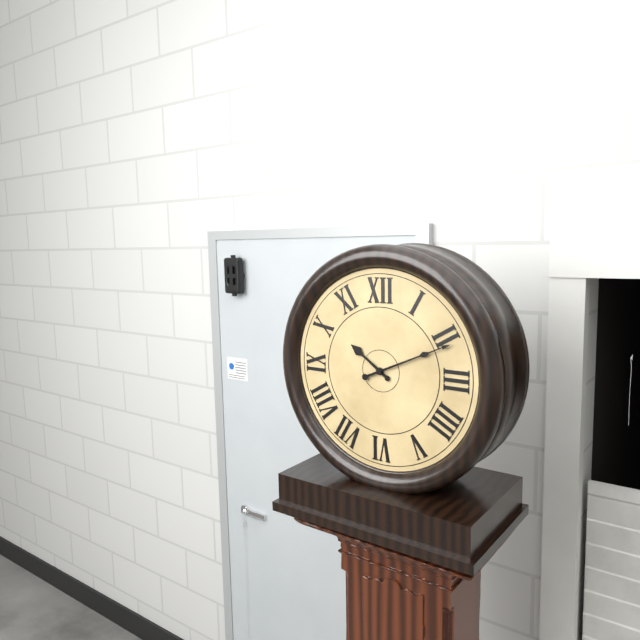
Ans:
h=10 m=11
